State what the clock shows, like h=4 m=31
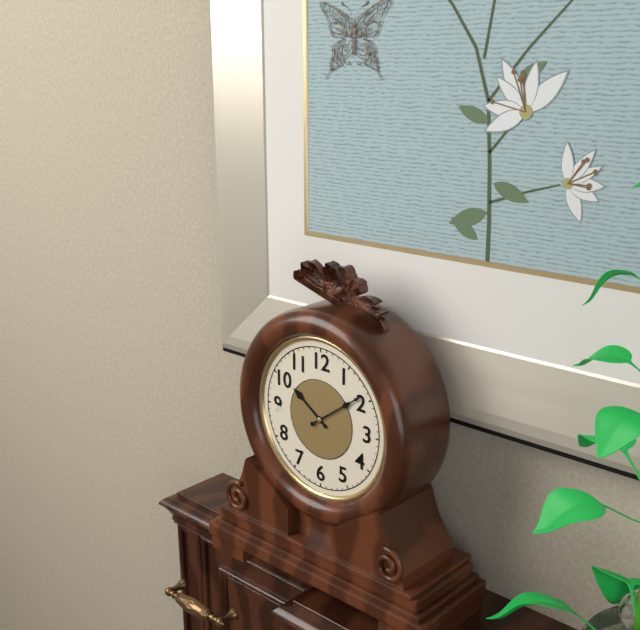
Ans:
h=10 m=9
